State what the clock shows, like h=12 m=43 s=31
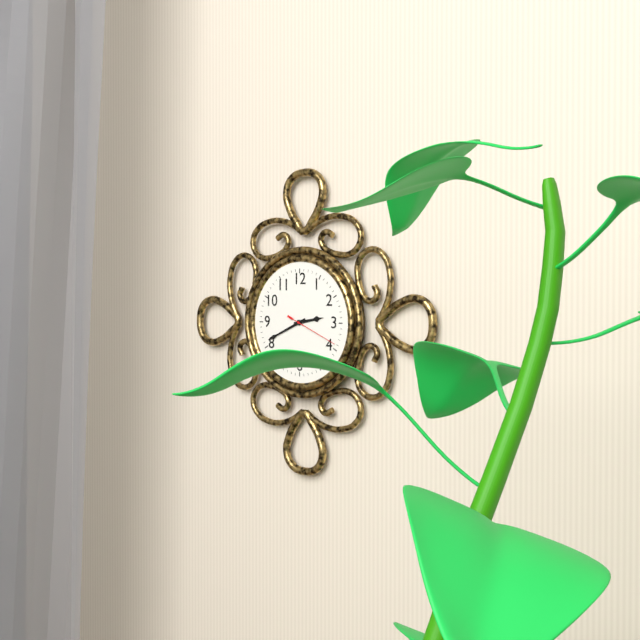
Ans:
h=2 m=41 s=19
